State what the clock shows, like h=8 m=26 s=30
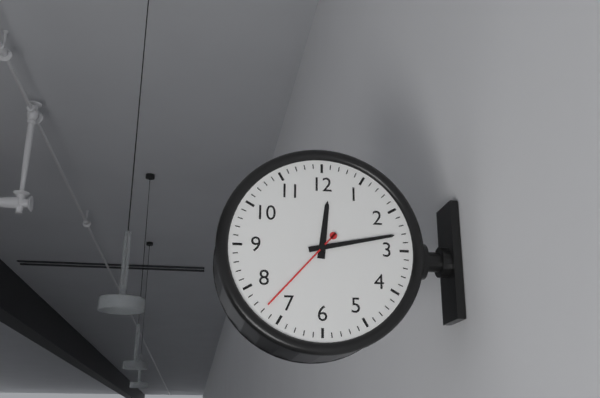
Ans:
h=12 m=13 s=37
